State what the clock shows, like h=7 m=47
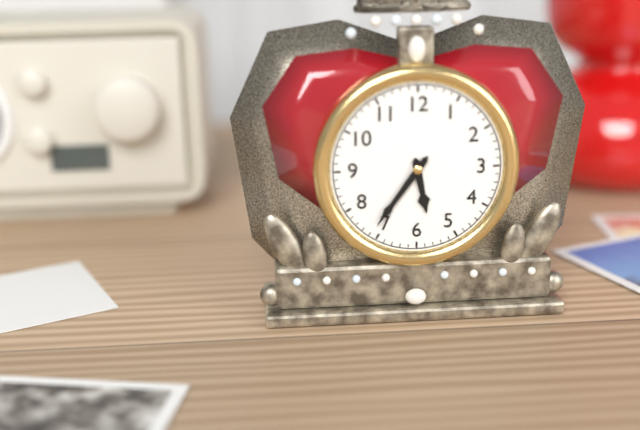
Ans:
h=5 m=36
